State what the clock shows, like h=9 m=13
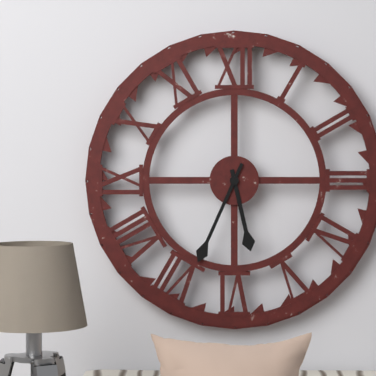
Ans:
h=5 m=34
